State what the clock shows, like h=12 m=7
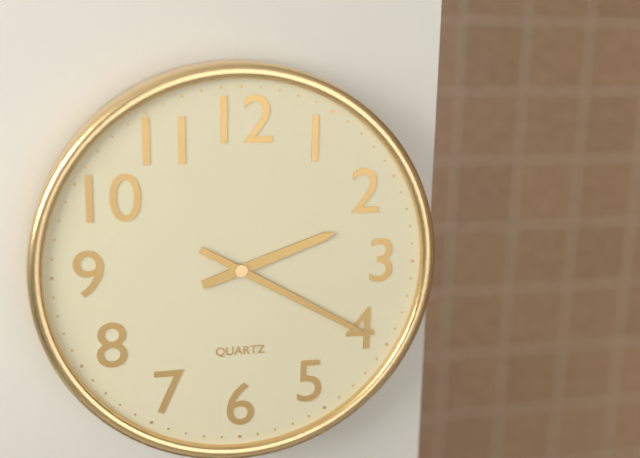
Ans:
h=2 m=20
